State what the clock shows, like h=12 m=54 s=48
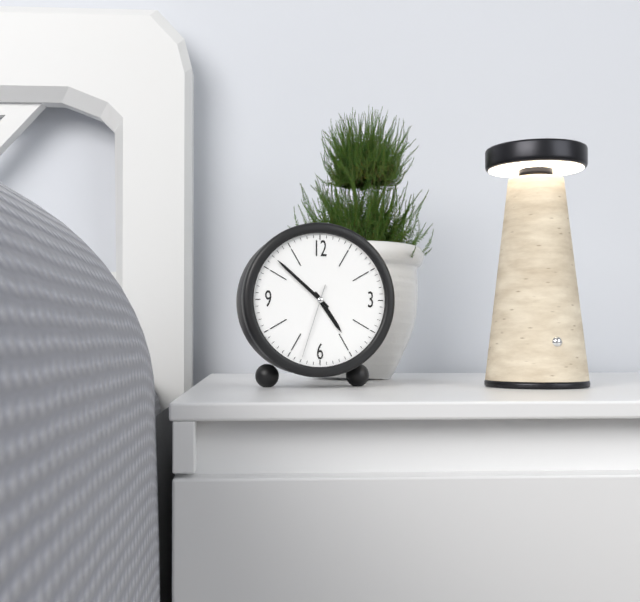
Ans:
h=4 m=52 s=33
